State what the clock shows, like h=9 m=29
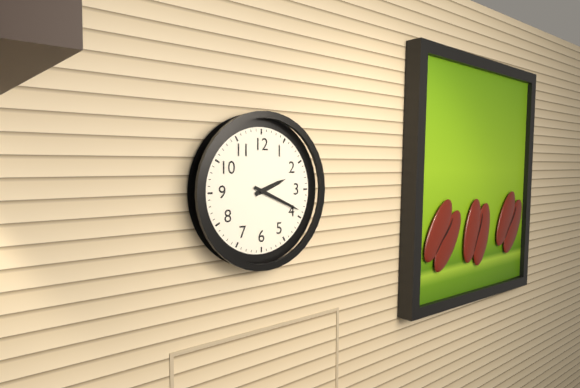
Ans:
h=2 m=19
